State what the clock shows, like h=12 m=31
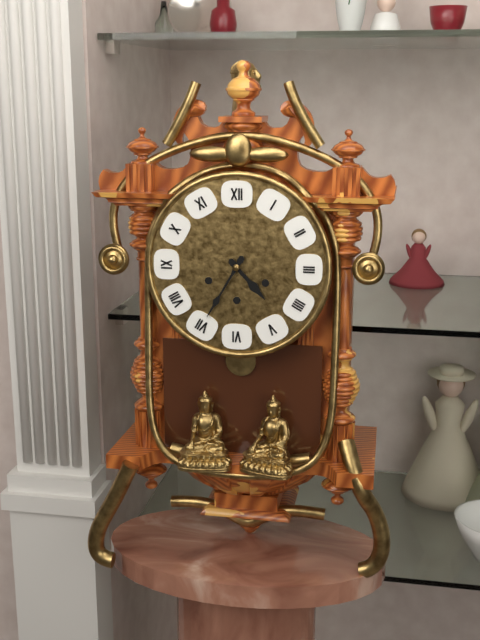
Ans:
h=4 m=35
